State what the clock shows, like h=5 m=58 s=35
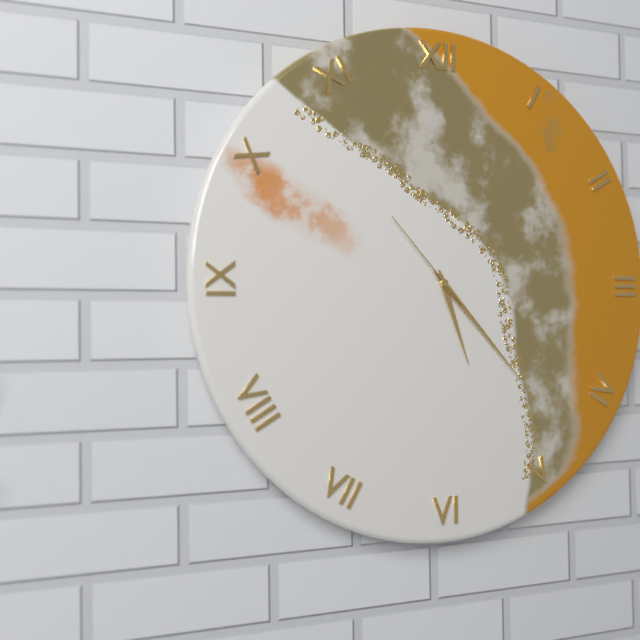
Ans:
h=5 m=23 s=53
